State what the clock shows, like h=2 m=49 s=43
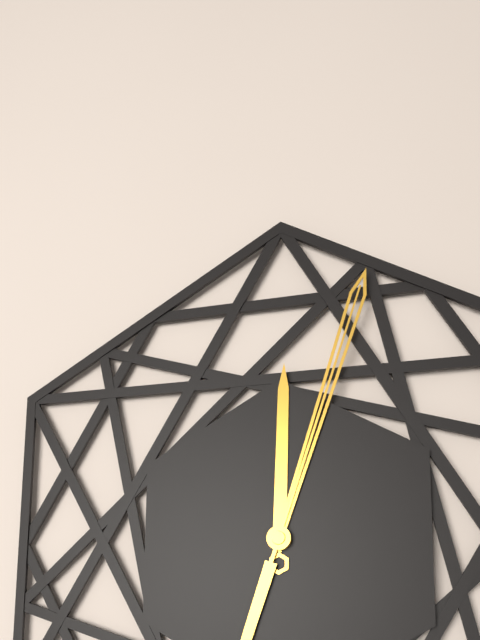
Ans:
h=12 m=3 s=3
